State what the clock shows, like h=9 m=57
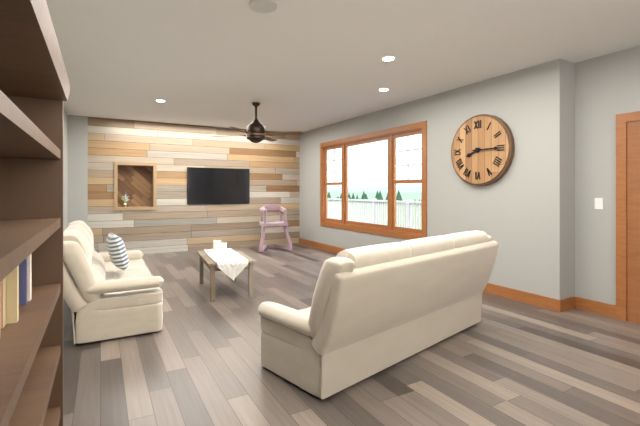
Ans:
h=8 m=15
